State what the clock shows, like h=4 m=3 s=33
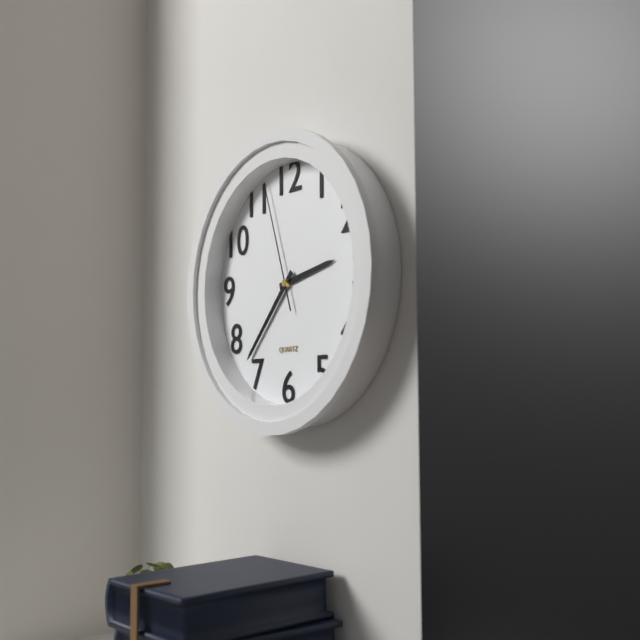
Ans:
h=2 m=37 s=57
